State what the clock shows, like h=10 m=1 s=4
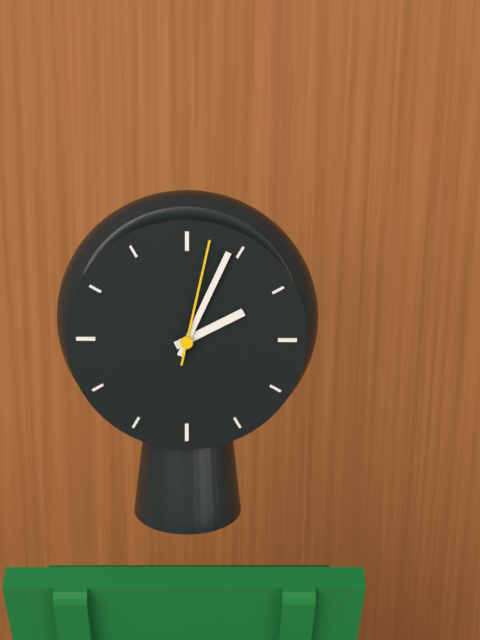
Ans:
h=2 m=4 s=2
